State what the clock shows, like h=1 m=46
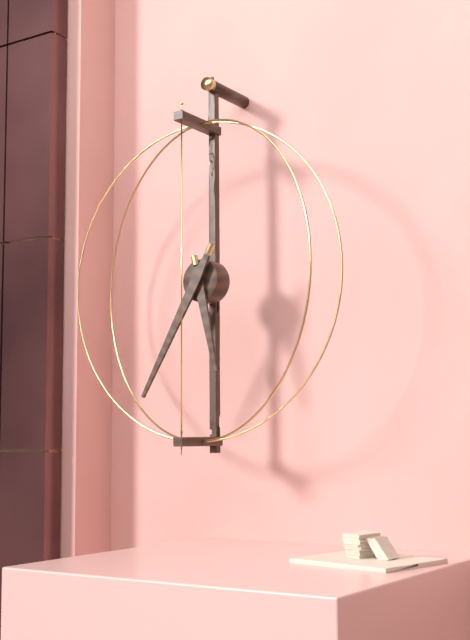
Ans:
h=5 m=35
